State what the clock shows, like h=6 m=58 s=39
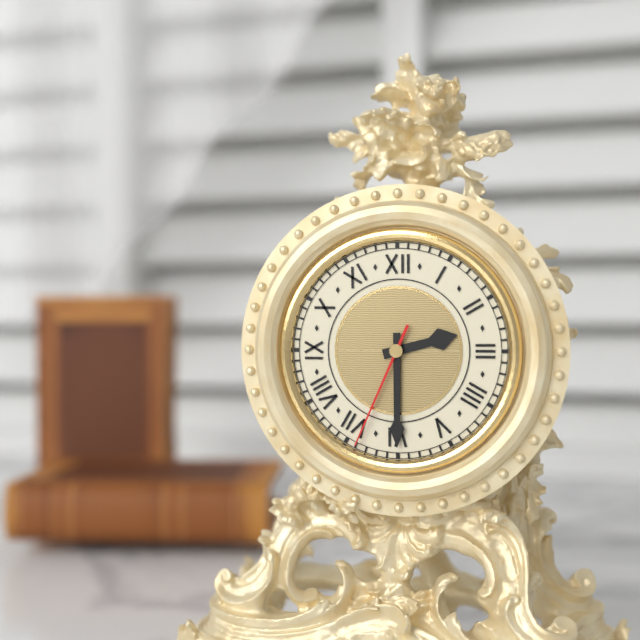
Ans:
h=2 m=30 s=34
